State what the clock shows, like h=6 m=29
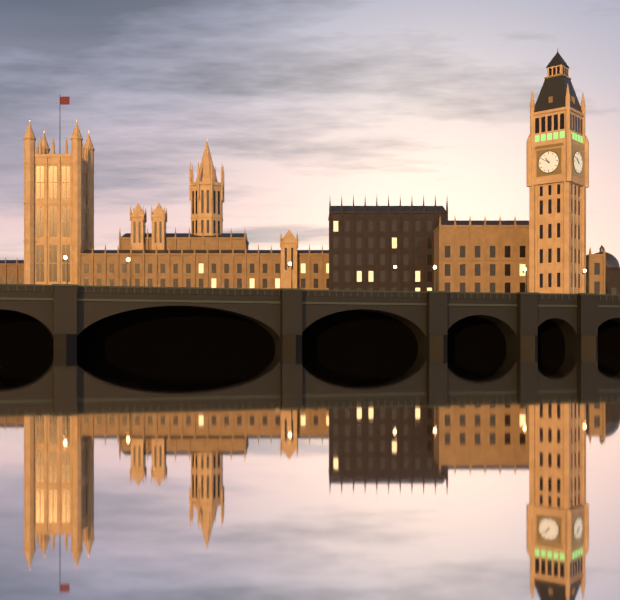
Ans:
h=10 m=50
